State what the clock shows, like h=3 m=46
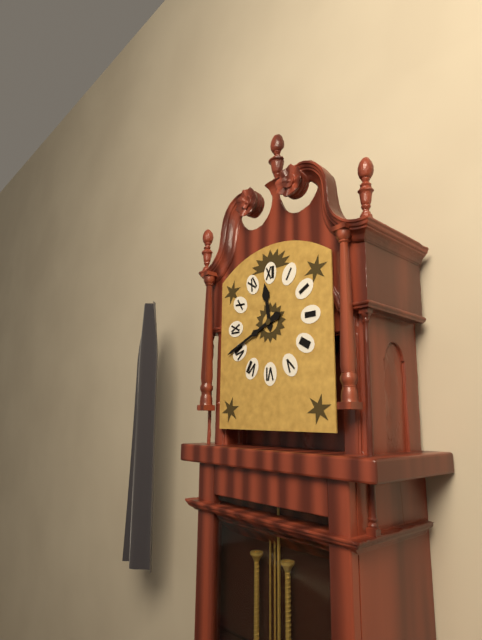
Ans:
h=11 m=41
